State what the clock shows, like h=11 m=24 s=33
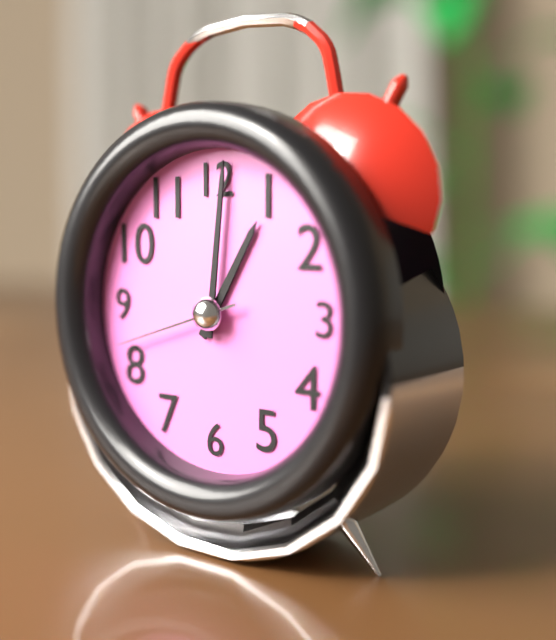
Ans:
h=1 m=1 s=42
